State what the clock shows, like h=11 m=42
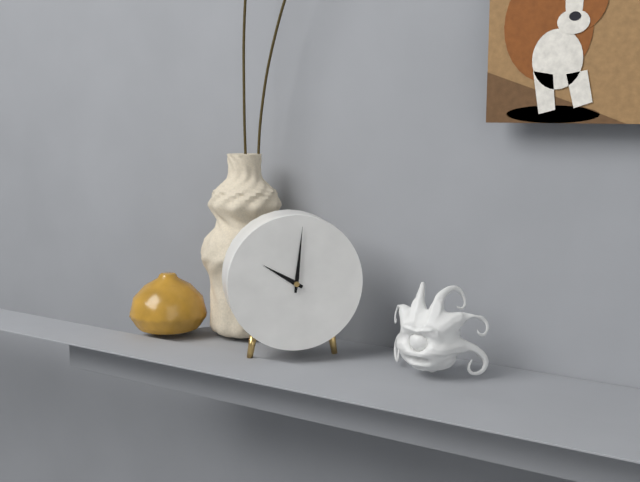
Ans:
h=10 m=1
